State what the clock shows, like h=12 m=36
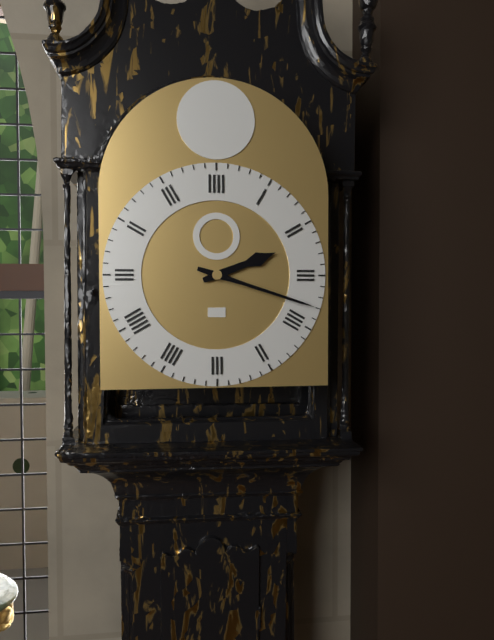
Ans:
h=2 m=18
